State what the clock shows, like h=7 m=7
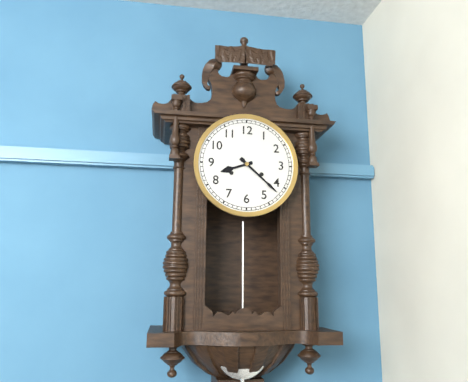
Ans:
h=8 m=22
